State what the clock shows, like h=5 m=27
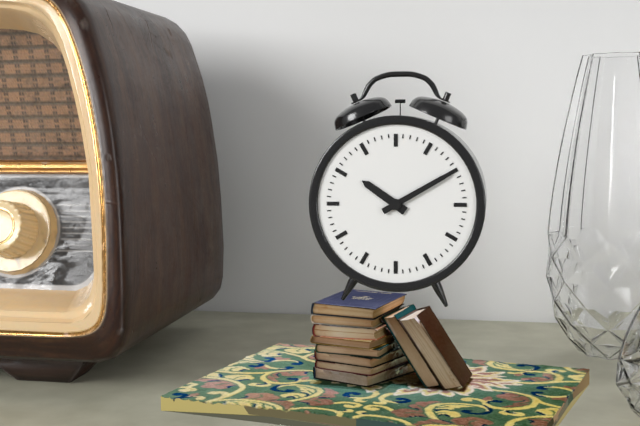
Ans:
h=10 m=10
